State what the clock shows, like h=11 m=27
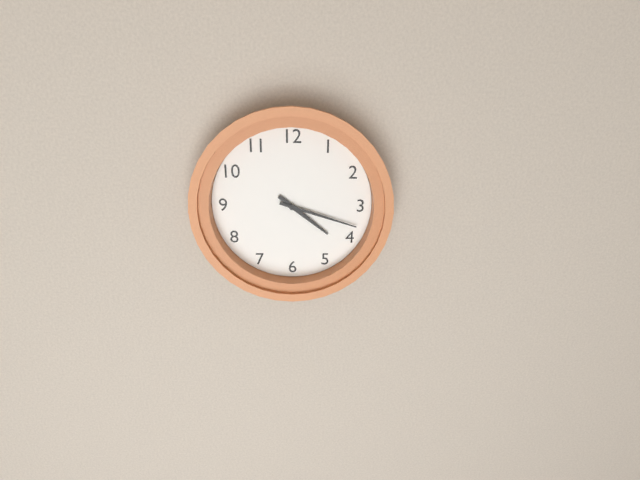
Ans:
h=4 m=18
